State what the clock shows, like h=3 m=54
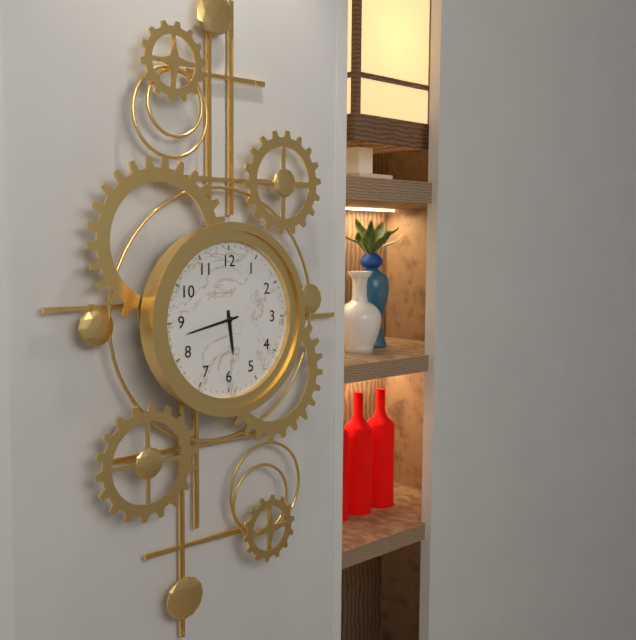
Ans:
h=5 m=43
